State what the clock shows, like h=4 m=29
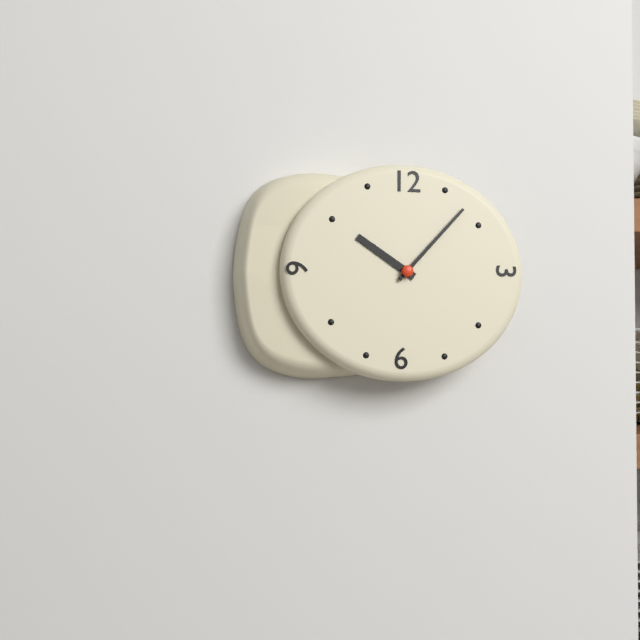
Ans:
h=10 m=7
